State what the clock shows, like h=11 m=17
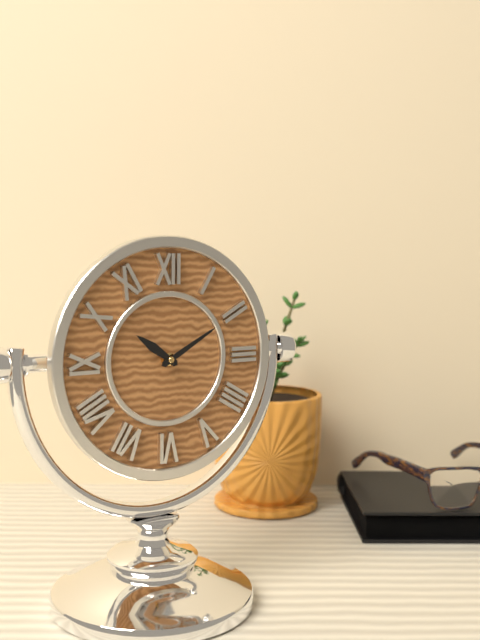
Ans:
h=10 m=10
